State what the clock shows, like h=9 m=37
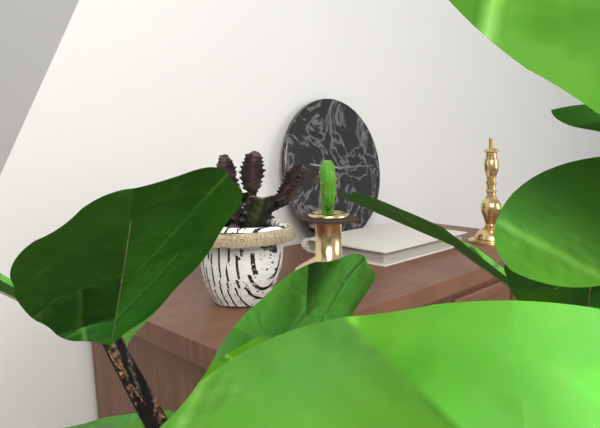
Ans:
h=9 m=15
